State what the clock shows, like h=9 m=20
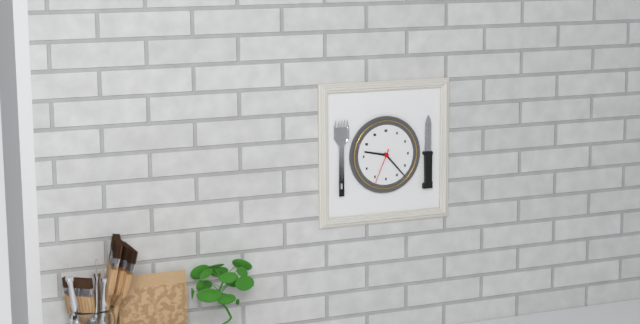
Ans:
h=9 m=23
